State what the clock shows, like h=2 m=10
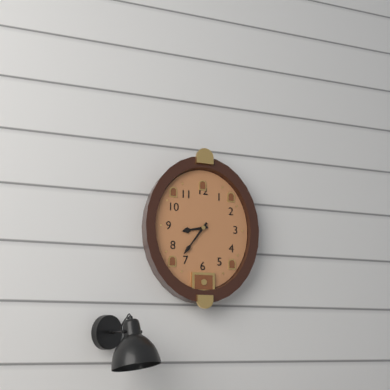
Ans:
h=8 m=36
